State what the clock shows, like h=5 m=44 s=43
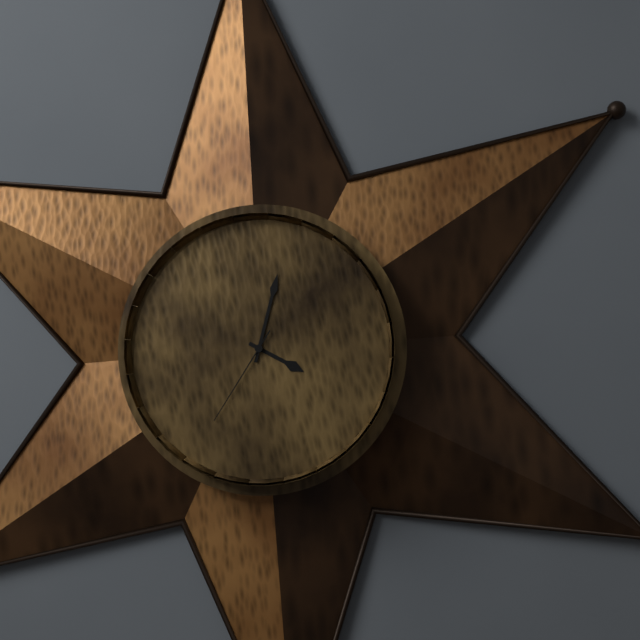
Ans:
h=4 m=3 s=36
